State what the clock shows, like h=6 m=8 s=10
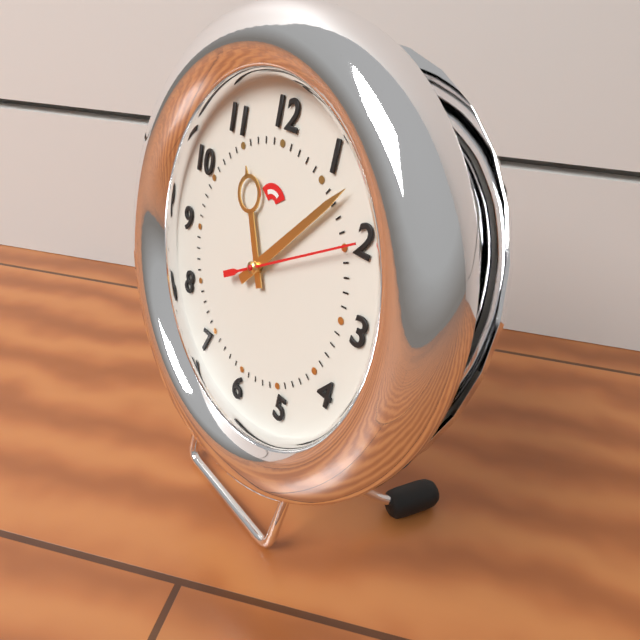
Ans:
h=11 m=7 s=10
